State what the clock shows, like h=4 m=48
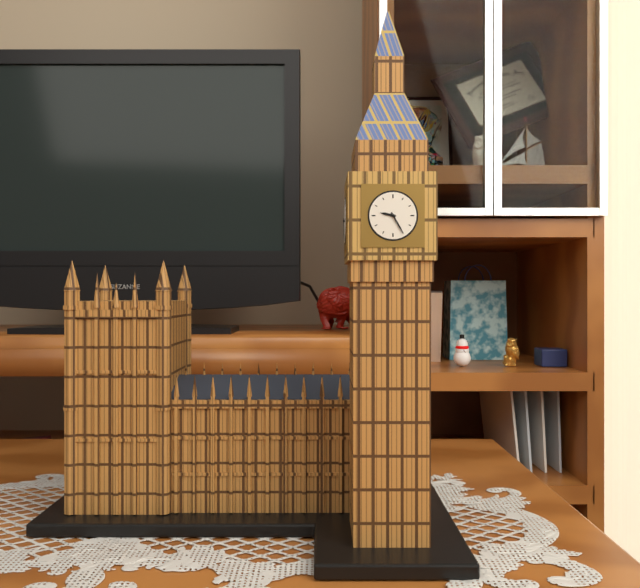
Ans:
h=9 m=25
